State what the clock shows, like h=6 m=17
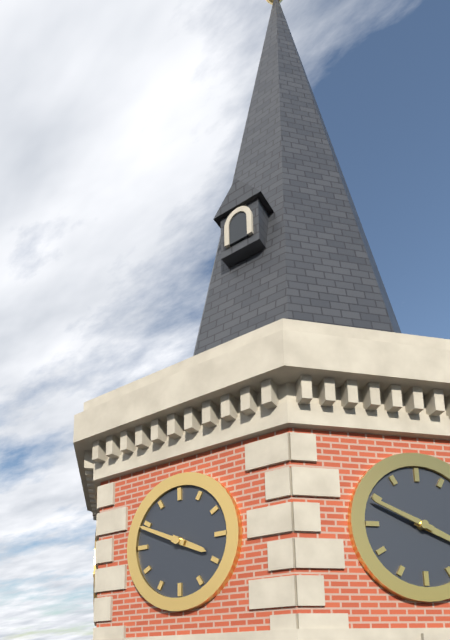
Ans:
h=3 m=49
